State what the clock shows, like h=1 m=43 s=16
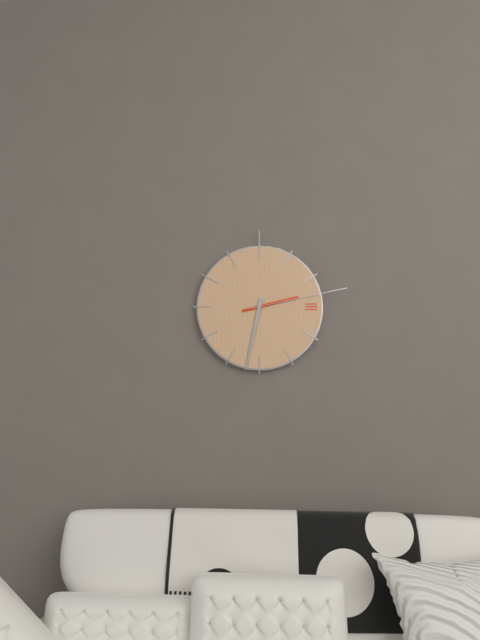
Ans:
h=2 m=32 s=13
